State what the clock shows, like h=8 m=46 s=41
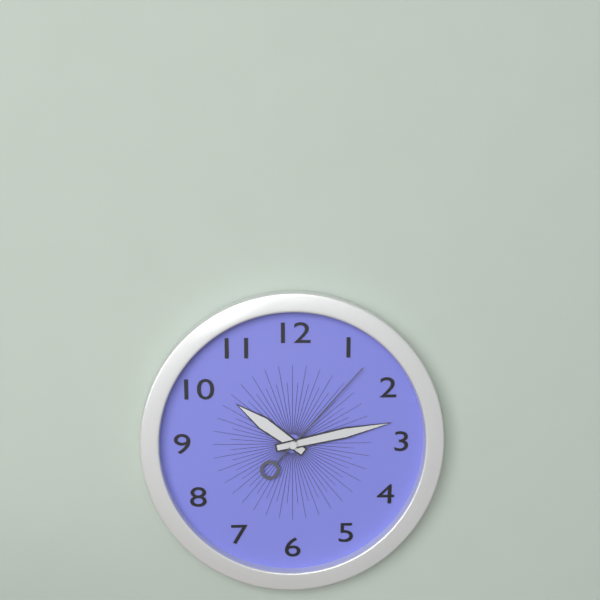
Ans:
h=10 m=13 s=7
